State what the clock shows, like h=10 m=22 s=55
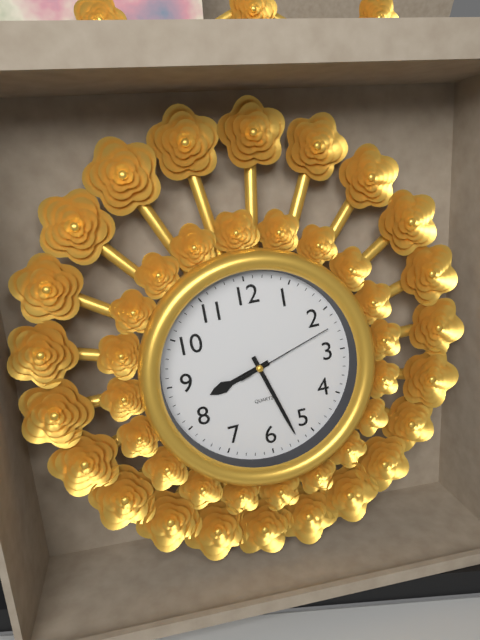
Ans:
h=8 m=27 s=12
